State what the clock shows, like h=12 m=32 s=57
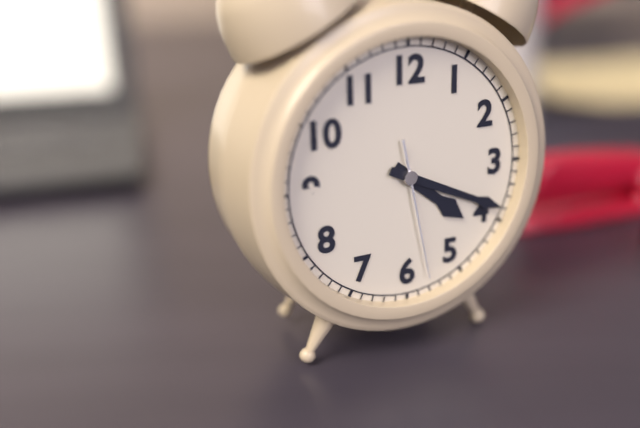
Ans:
h=4 m=19 s=28
